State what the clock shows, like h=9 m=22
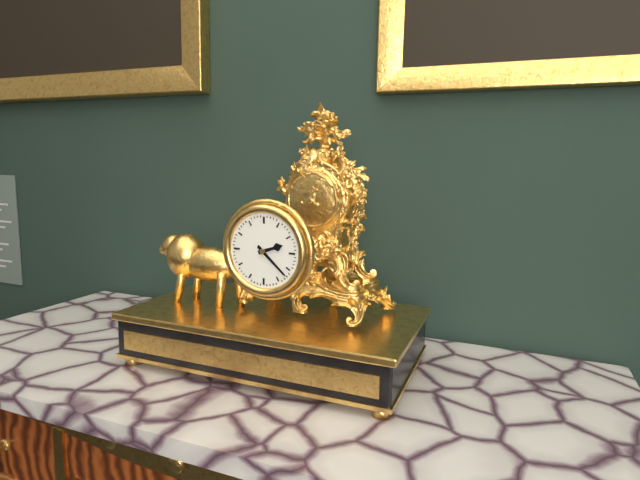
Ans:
h=2 m=22
